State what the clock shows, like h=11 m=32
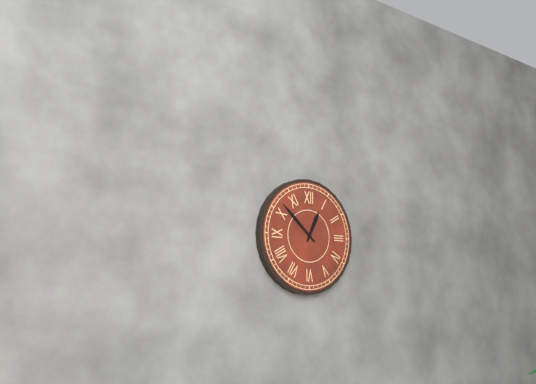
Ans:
h=12 m=52
